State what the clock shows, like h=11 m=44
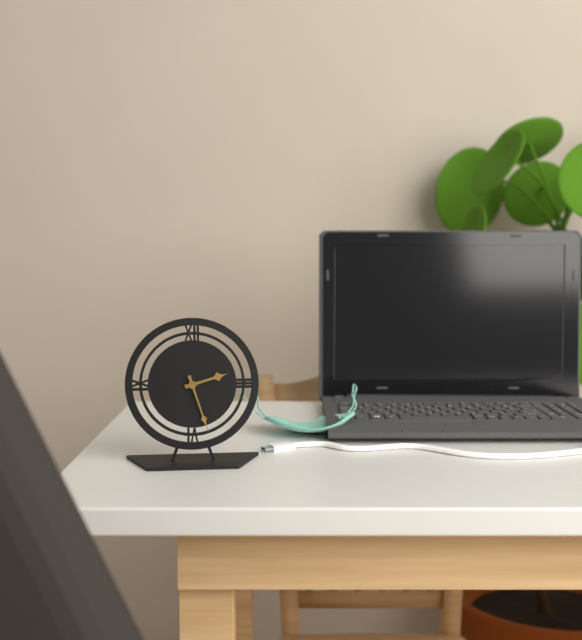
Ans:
h=2 m=27
